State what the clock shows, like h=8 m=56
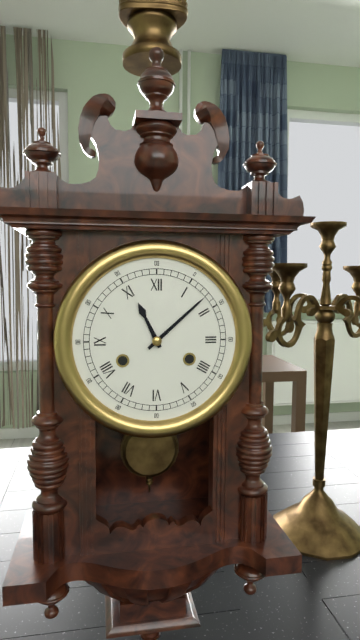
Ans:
h=11 m=8
